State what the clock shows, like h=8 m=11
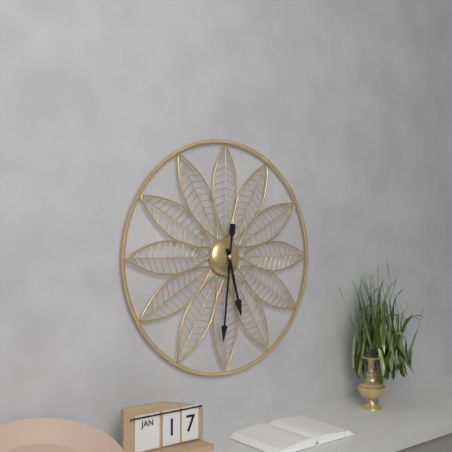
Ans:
h=5 m=31
